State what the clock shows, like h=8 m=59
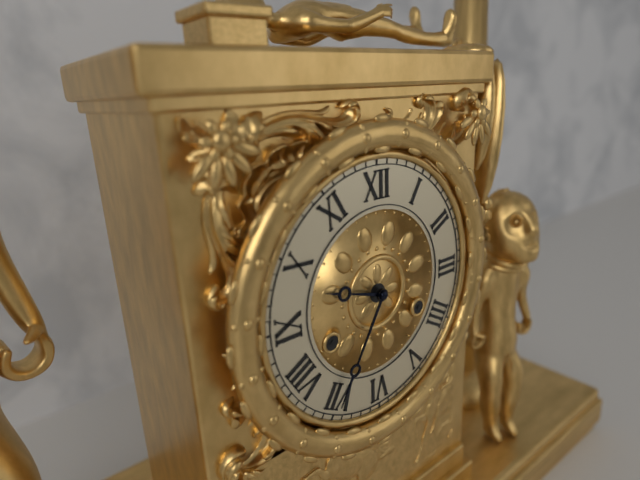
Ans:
h=9 m=35
